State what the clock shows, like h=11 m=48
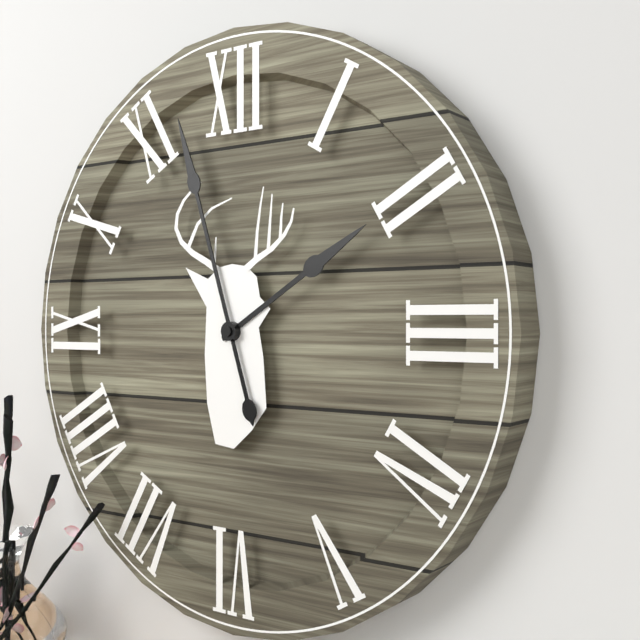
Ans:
h=1 m=57
